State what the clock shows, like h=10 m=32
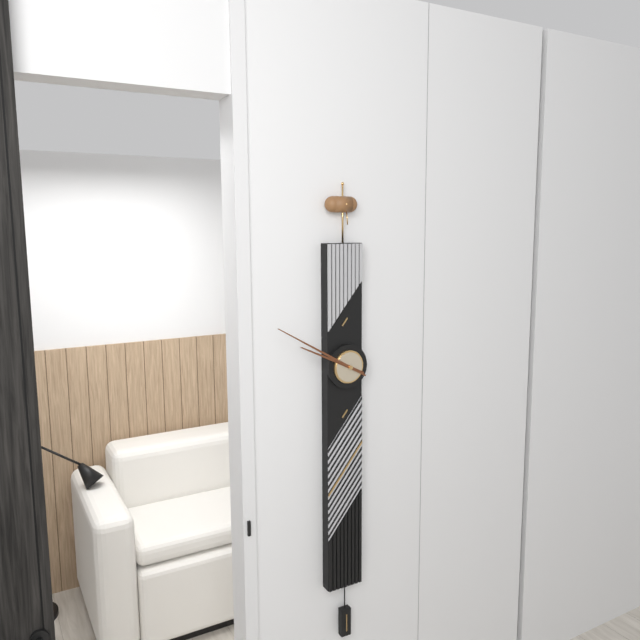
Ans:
h=9 m=50
